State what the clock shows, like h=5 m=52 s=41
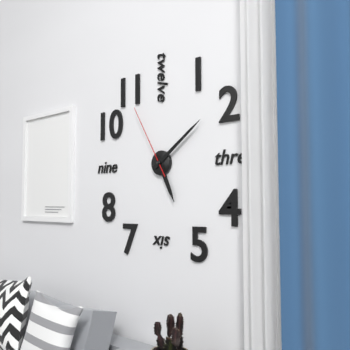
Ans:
h=5 m=9 s=55
